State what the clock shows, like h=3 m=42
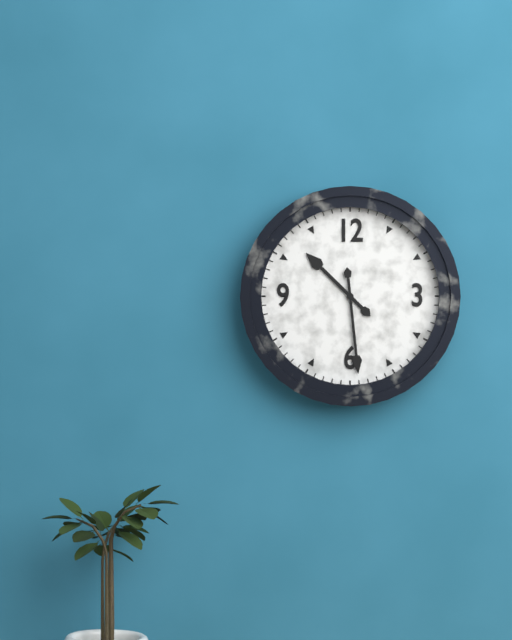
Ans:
h=10 m=29
